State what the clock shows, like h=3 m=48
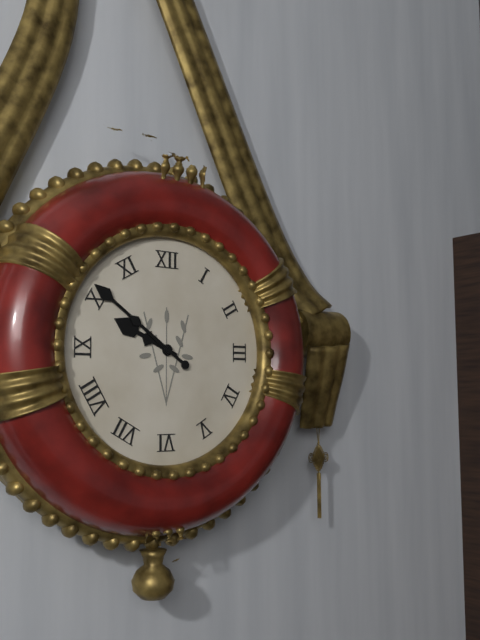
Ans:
h=9 m=51
